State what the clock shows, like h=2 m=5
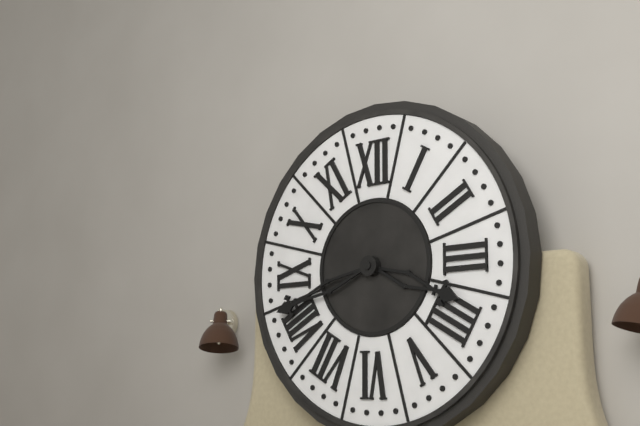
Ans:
h=3 m=42
